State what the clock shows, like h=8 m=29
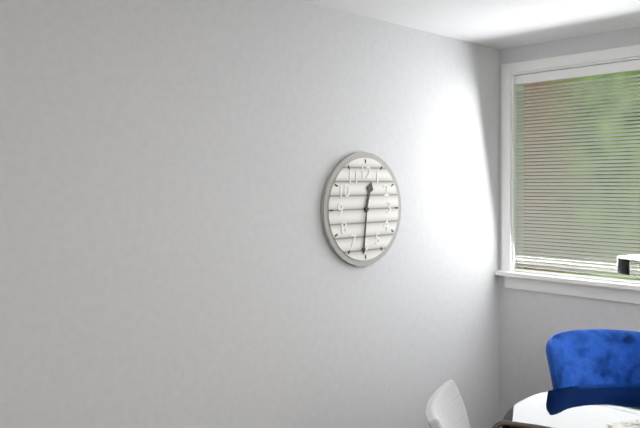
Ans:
h=12 m=31
